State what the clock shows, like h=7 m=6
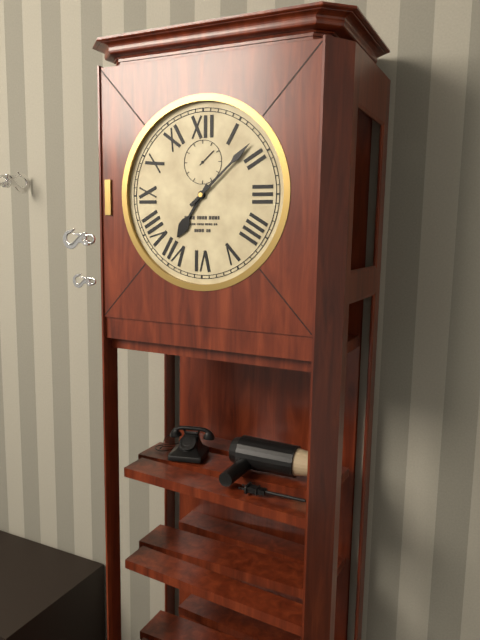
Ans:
h=7 m=8
